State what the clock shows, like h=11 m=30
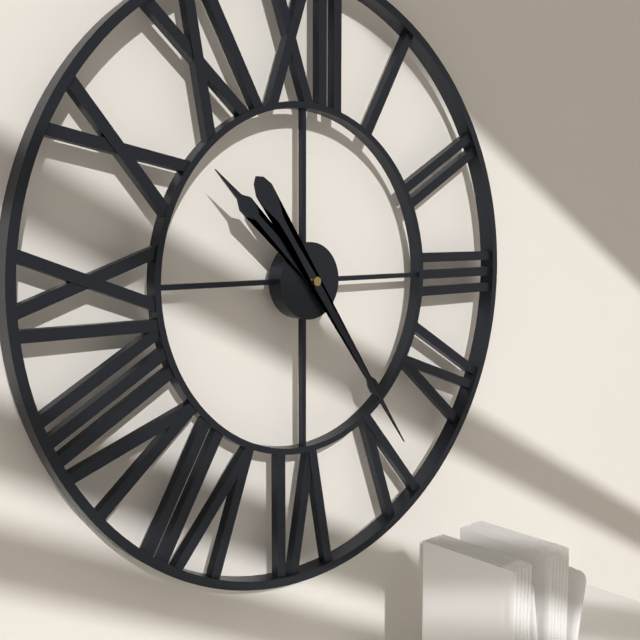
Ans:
h=10 m=24
